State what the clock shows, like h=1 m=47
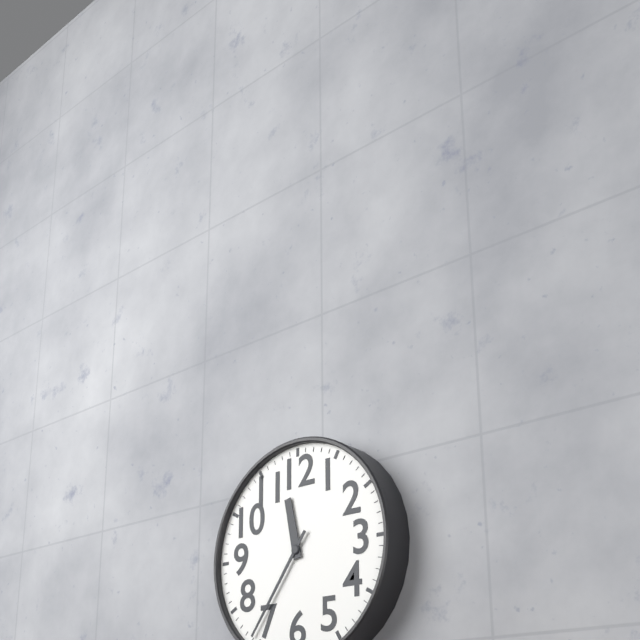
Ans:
h=11 m=36
